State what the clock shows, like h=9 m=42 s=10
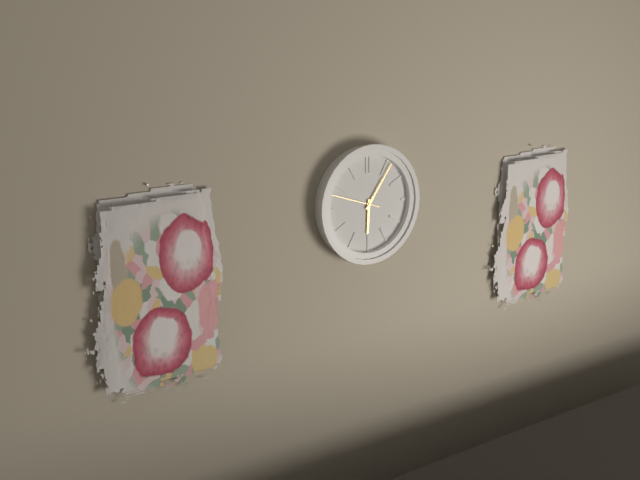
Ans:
h=6 m=6 s=48
